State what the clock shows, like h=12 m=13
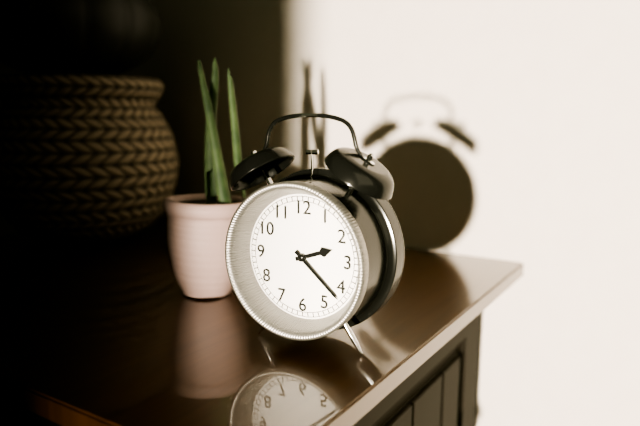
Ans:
h=2 m=22
